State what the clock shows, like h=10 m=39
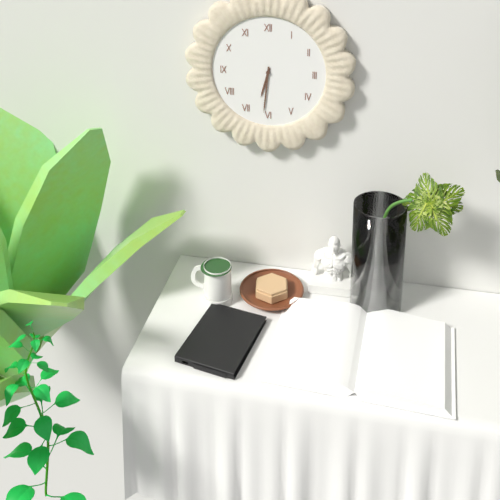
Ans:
h=6 m=31
